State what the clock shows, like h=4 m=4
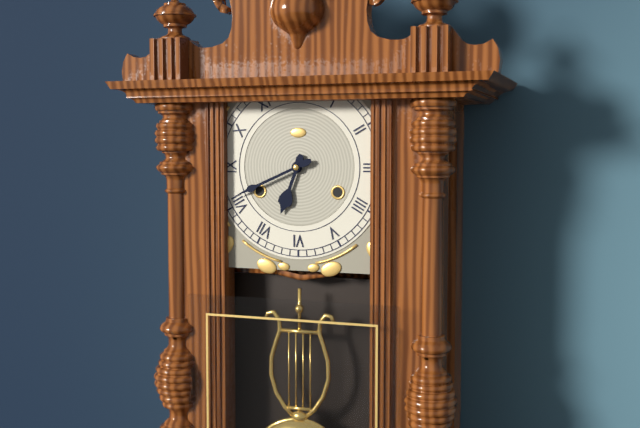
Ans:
h=6 m=41
